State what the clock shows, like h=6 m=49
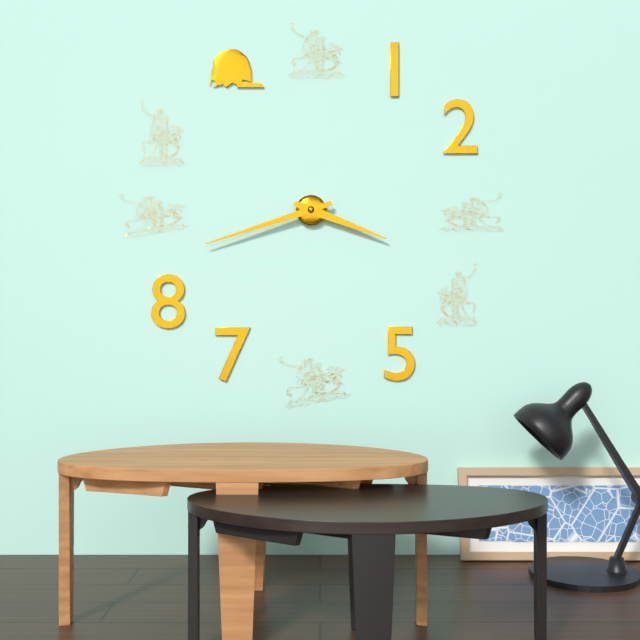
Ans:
h=3 m=42
